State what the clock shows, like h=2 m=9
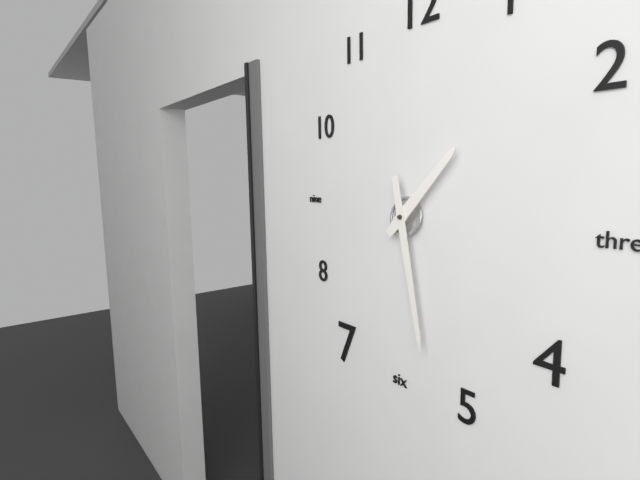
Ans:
h=1 m=28
